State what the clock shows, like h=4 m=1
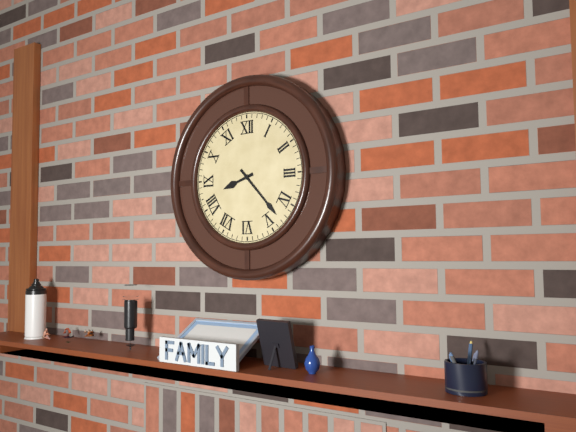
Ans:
h=8 m=23
